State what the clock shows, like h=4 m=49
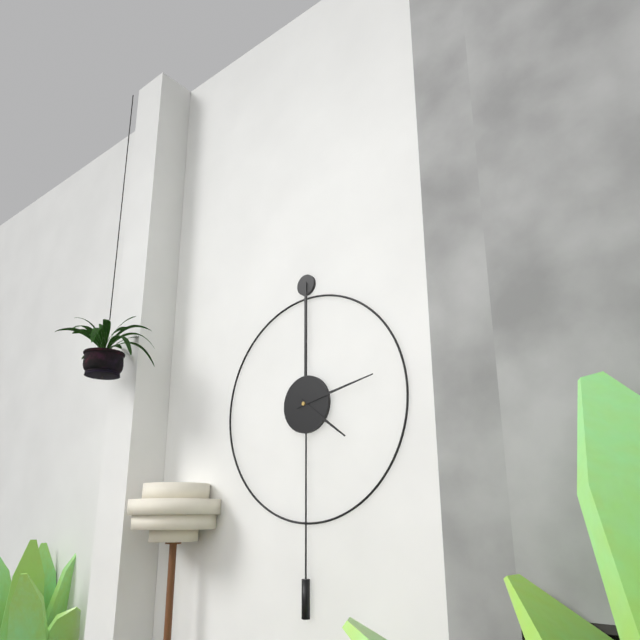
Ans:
h=4 m=13
